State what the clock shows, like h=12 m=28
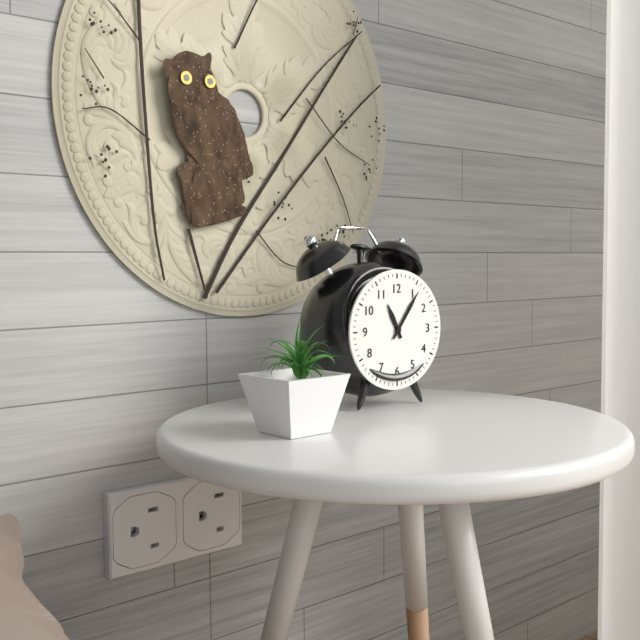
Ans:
h=11 m=6
